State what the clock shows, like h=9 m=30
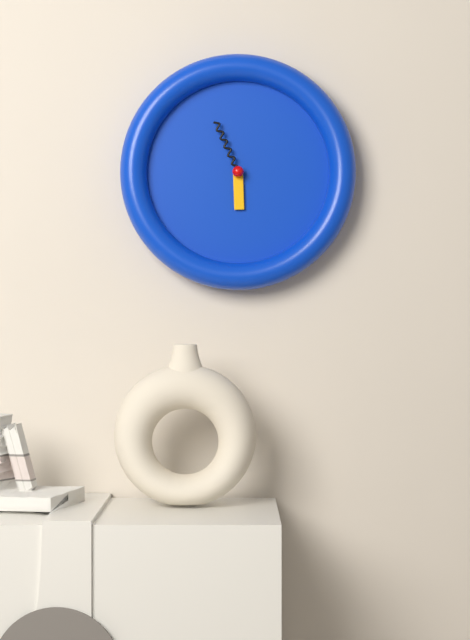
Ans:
h=5 m=56
